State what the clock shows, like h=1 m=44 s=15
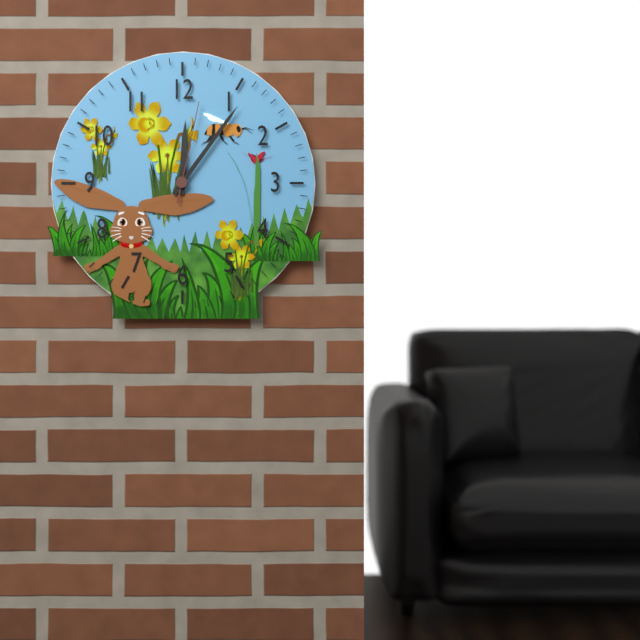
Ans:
h=12 m=6 s=2
